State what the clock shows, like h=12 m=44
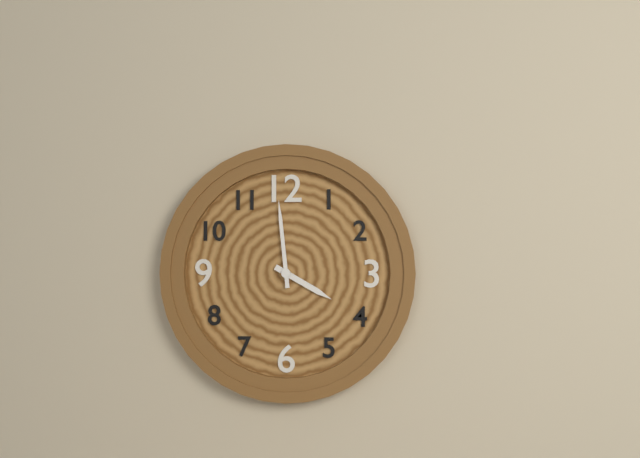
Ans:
h=3 m=59
